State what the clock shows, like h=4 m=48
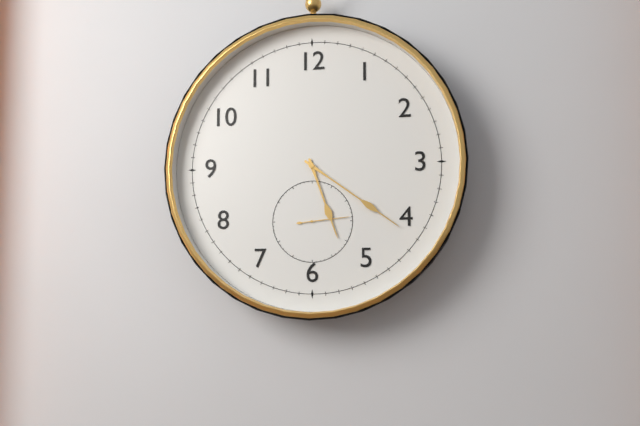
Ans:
h=5 m=21
